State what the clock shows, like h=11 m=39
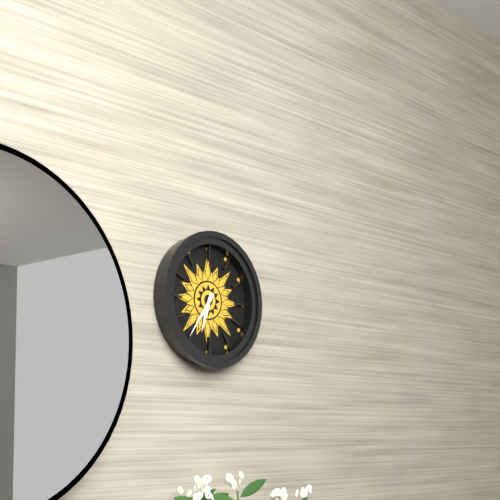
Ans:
h=6 m=36
